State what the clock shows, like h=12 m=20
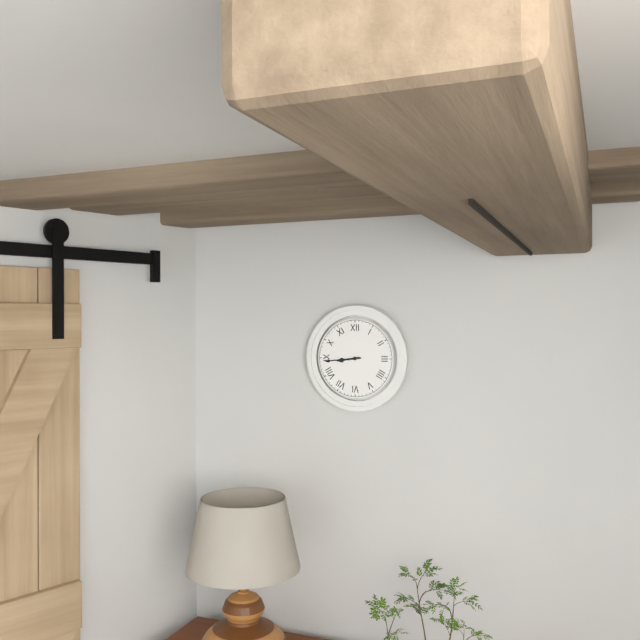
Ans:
h=8 m=44
